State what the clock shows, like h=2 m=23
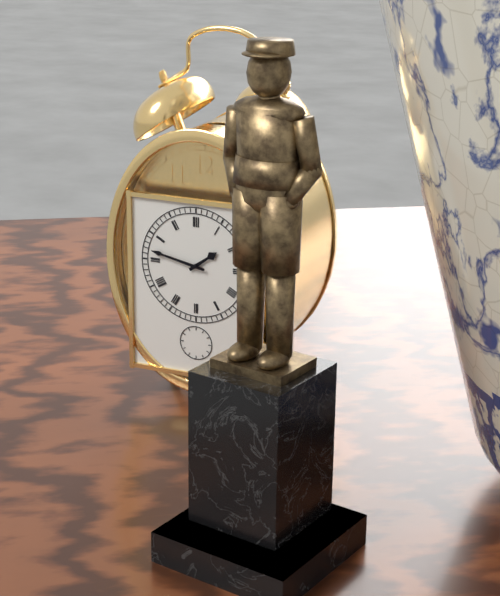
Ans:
h=1 m=47
